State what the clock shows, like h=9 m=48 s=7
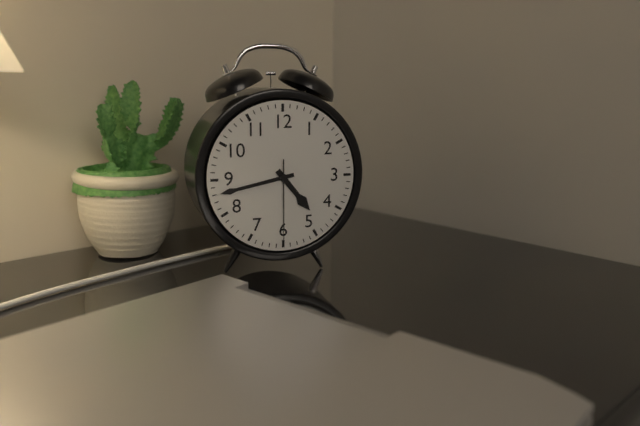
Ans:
h=4 m=43 s=30
